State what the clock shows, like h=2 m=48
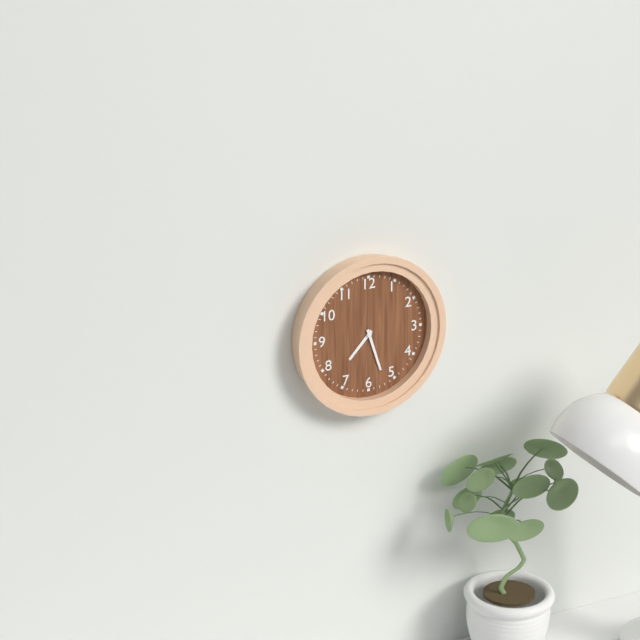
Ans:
h=7 m=27
